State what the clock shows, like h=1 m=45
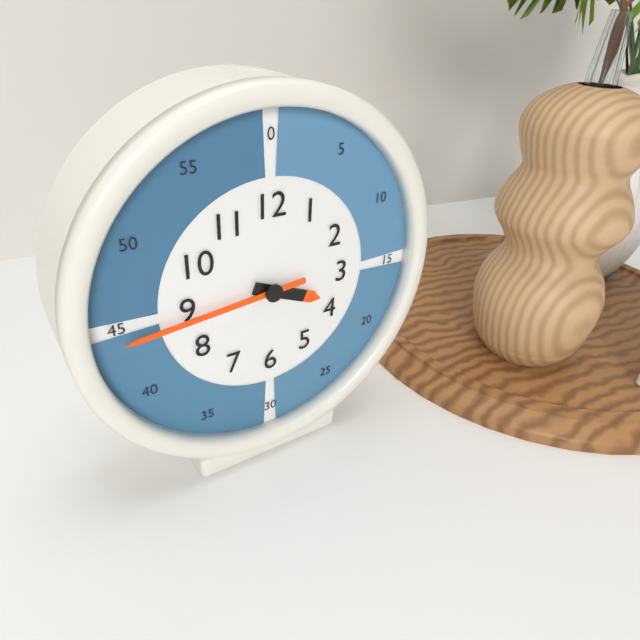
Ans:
h=3 m=44
